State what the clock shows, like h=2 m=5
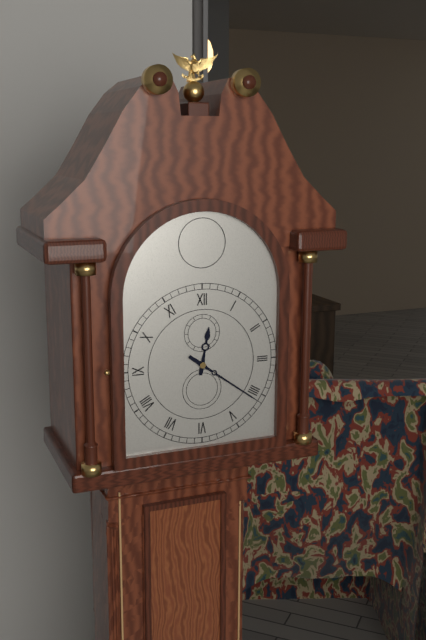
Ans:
h=12 m=21
